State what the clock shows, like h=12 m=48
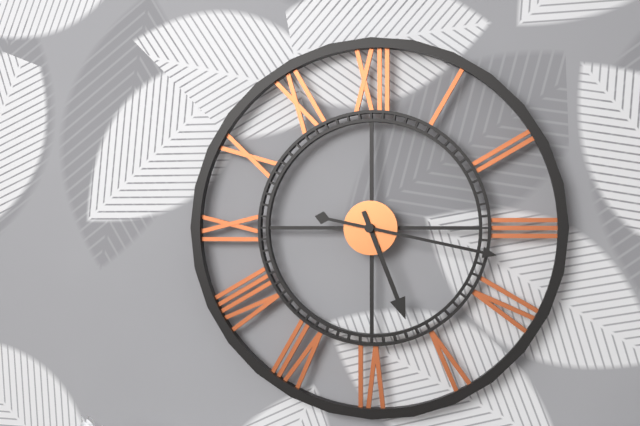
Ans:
h=5 m=17
